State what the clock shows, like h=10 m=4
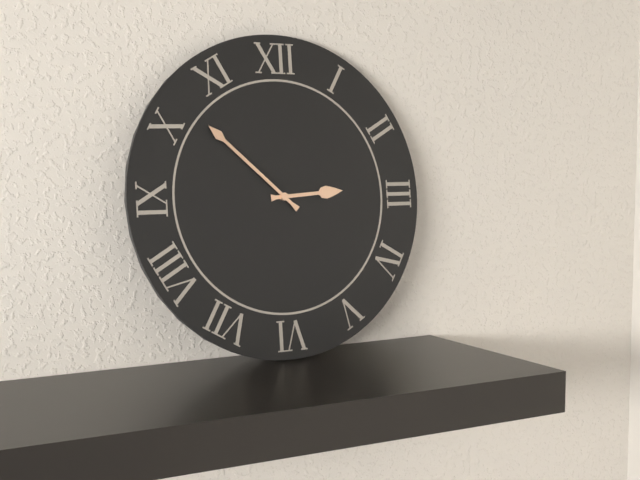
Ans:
h=2 m=52
